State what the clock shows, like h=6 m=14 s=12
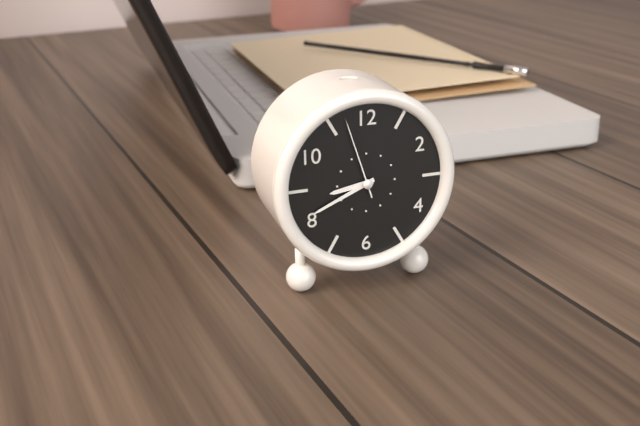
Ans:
h=8 m=41 s=57
